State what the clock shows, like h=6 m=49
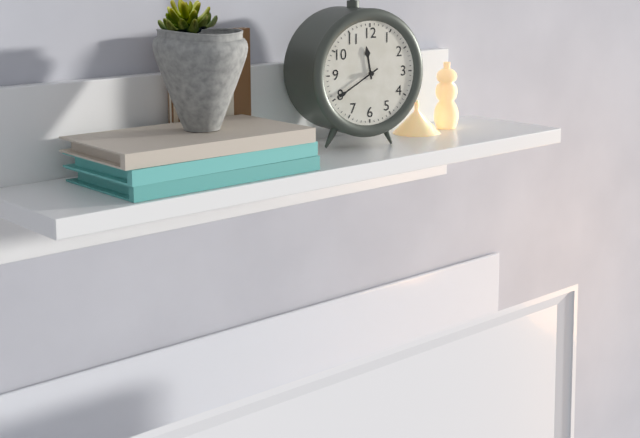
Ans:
h=11 m=40
